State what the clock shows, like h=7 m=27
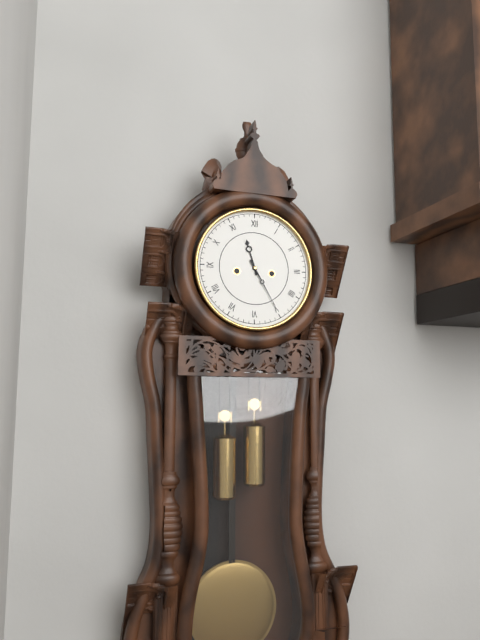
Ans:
h=11 m=25
